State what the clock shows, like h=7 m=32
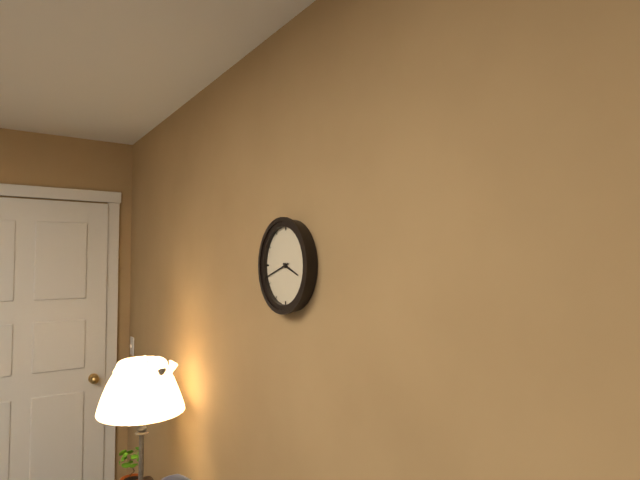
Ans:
h=3 m=42
